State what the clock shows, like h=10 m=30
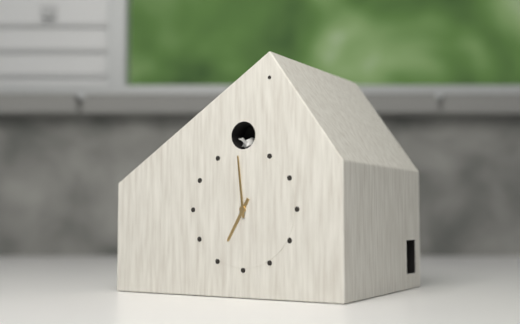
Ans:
h=6 m=59
